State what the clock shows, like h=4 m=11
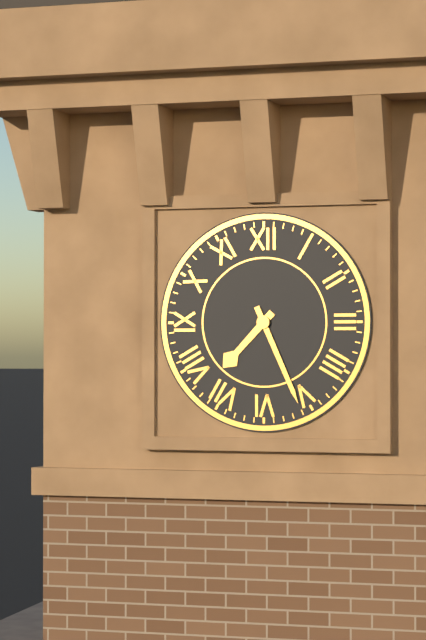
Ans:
h=7 m=26
